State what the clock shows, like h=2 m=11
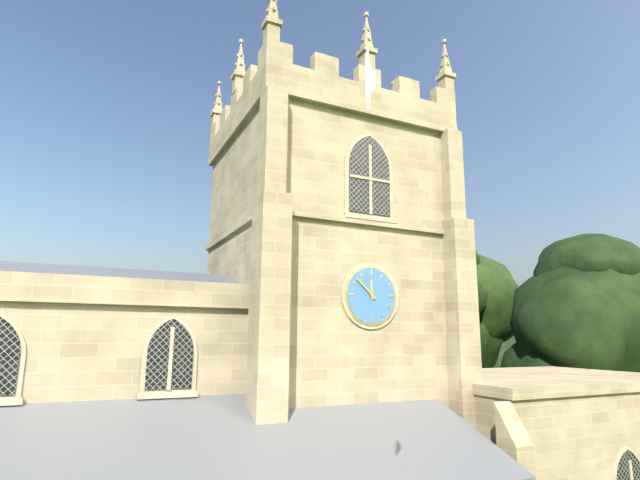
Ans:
h=11 m=52
